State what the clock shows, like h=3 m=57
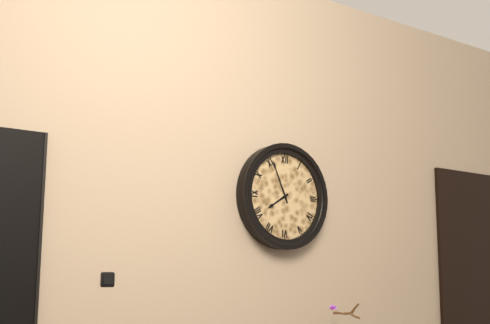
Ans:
h=7 m=56
